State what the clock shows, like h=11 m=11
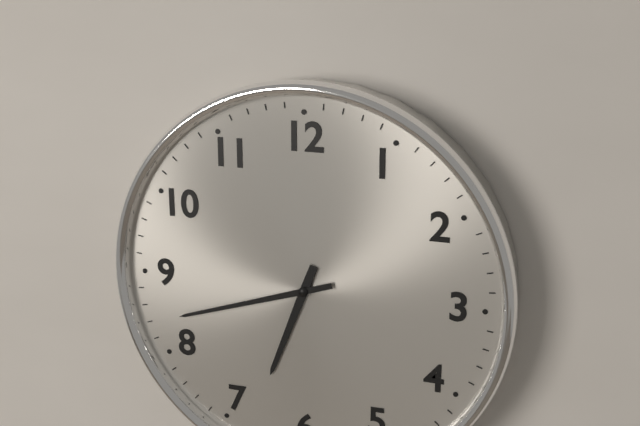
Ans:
h=6 m=42
